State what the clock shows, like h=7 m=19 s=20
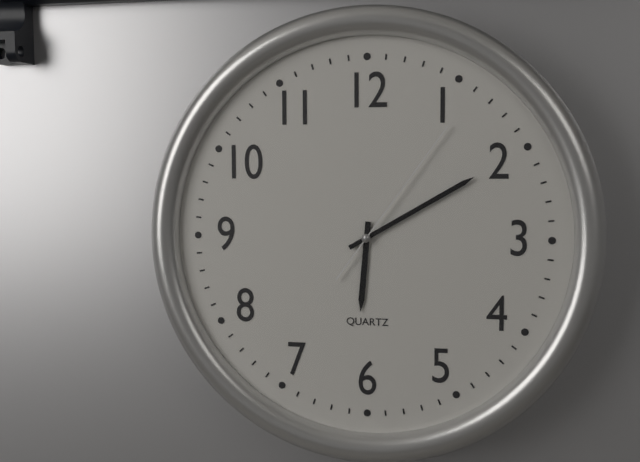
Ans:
h=6 m=10 s=6
